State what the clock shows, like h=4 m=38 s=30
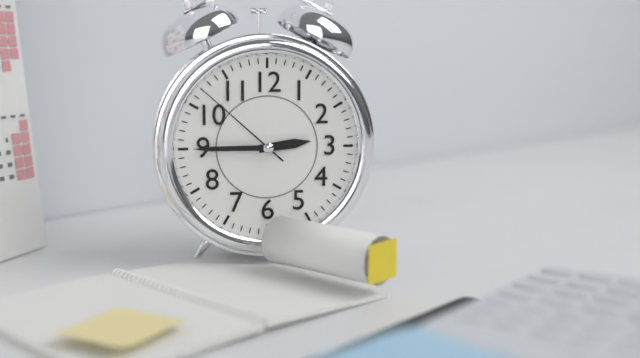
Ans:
h=2 m=45 s=52
